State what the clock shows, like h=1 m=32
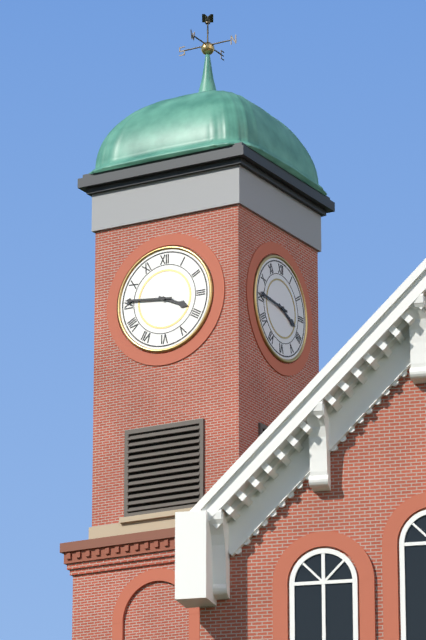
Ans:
h=3 m=46
